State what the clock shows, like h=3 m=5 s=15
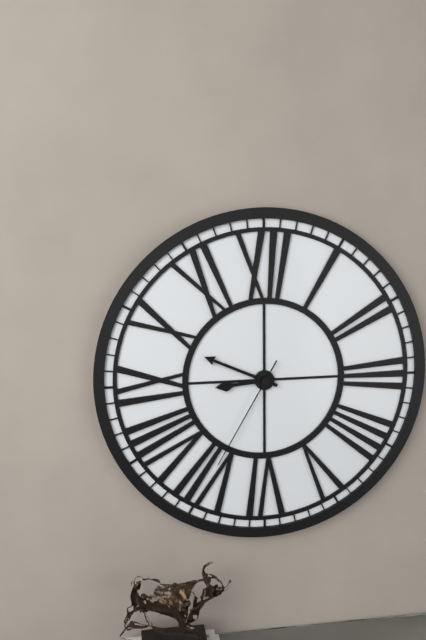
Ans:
h=8 m=49 s=35
